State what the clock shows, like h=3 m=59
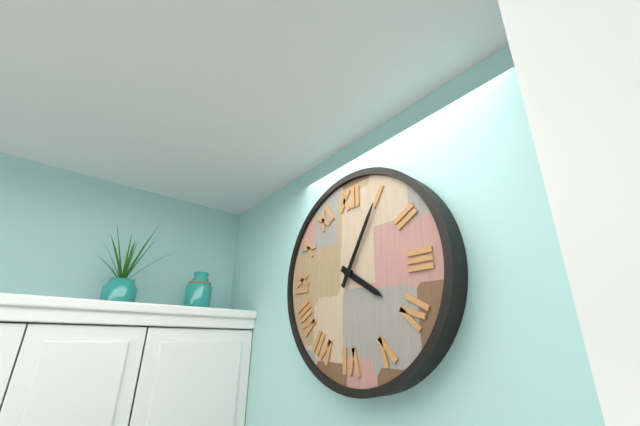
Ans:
h=4 m=5
